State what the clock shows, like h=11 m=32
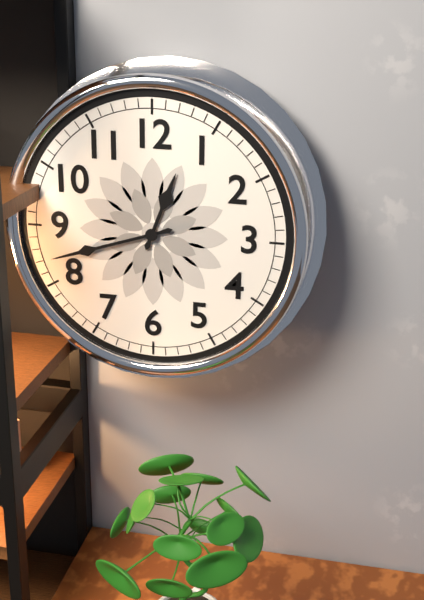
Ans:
h=12 m=42
